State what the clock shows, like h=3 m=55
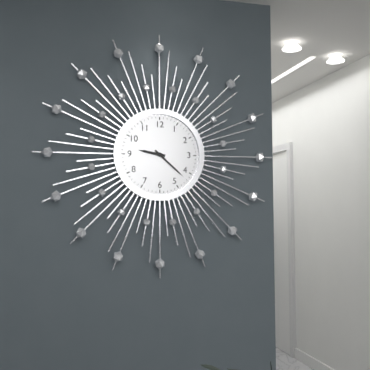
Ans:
h=9 m=22
